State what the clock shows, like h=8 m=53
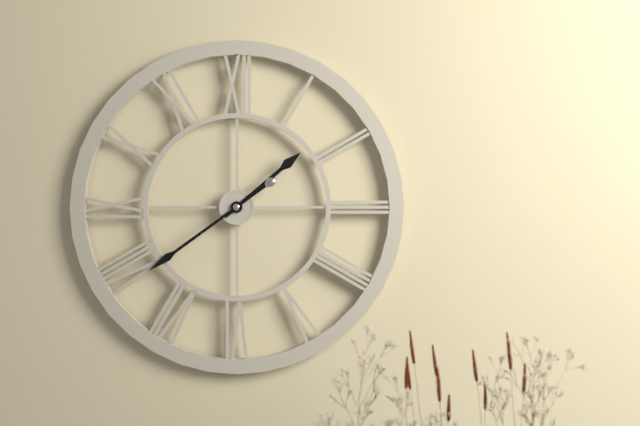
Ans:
h=1 m=39
